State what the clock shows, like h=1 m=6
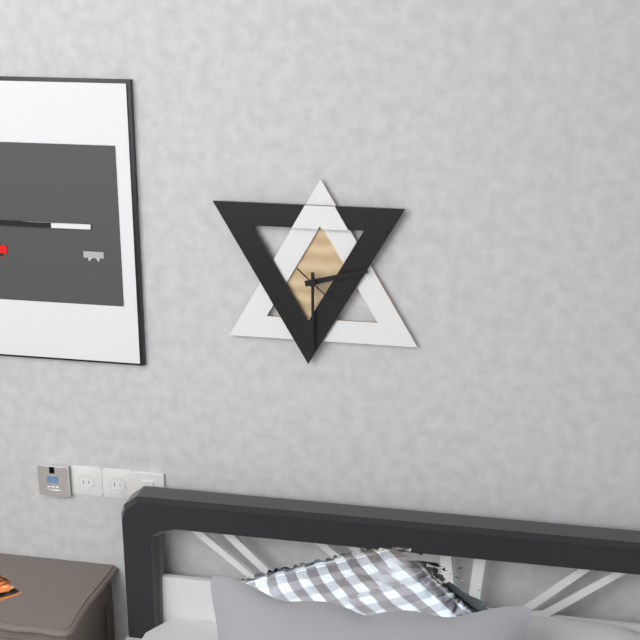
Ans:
h=2 m=30
